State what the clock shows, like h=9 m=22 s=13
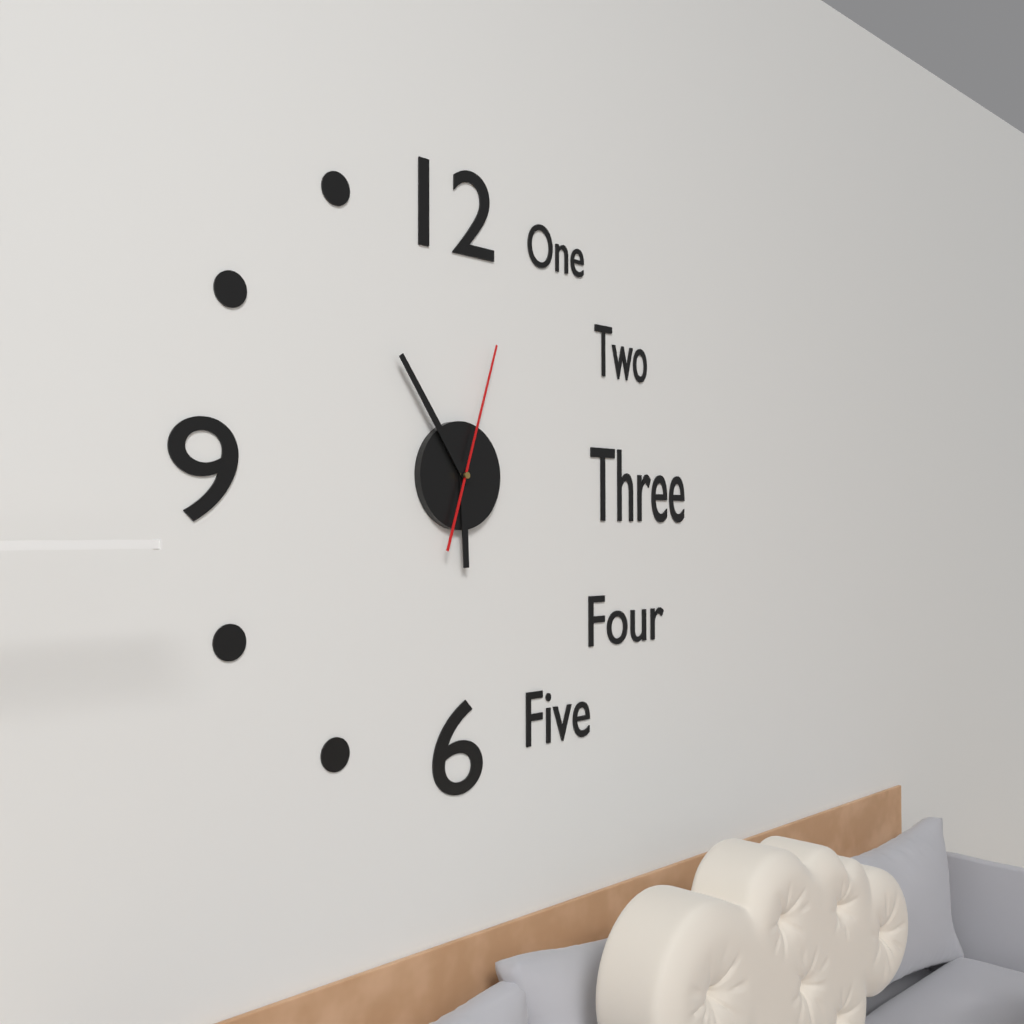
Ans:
h=5 m=54 s=3
